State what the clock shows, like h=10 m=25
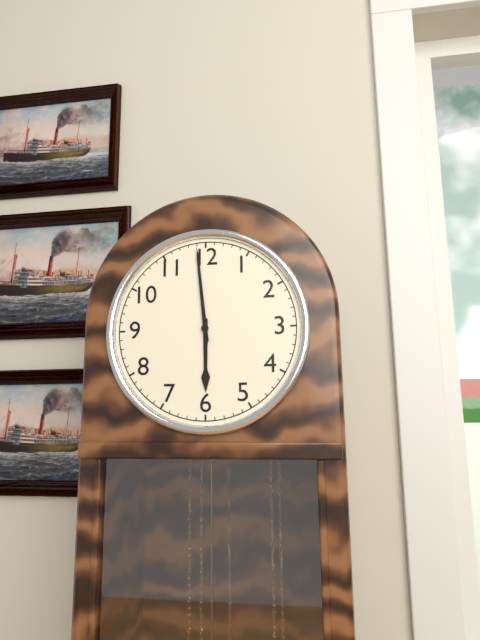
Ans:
h=5 m=59
